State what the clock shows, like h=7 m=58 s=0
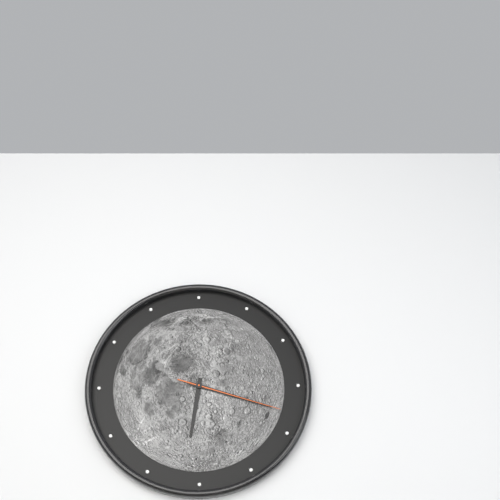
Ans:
h=6 m=18 s=18
